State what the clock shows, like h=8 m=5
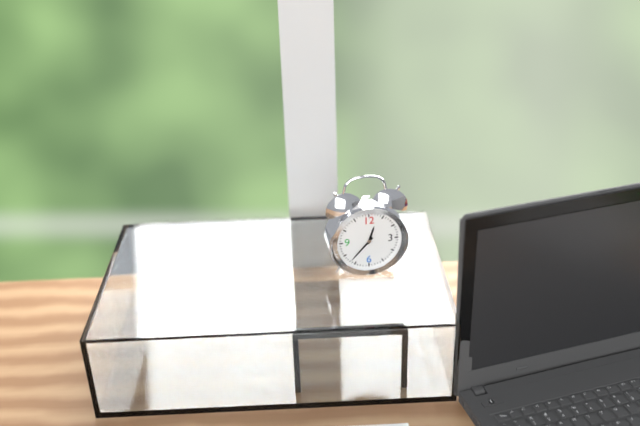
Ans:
h=12 m=37
